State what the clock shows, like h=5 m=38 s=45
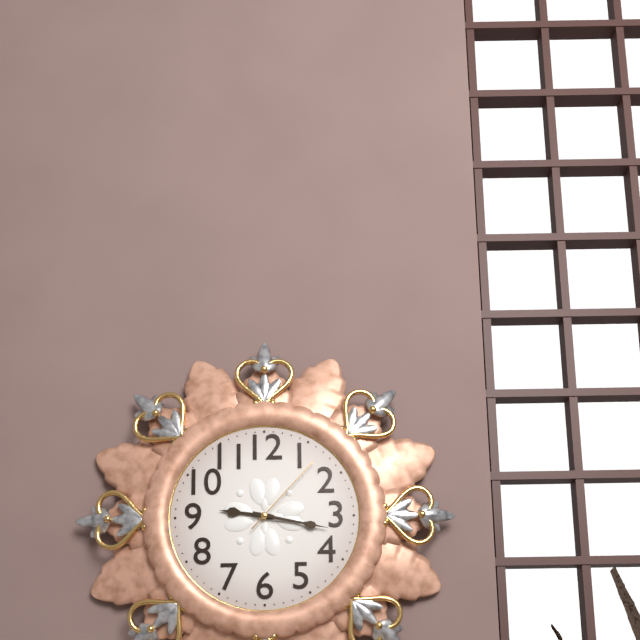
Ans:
h=9 m=17 s=7
